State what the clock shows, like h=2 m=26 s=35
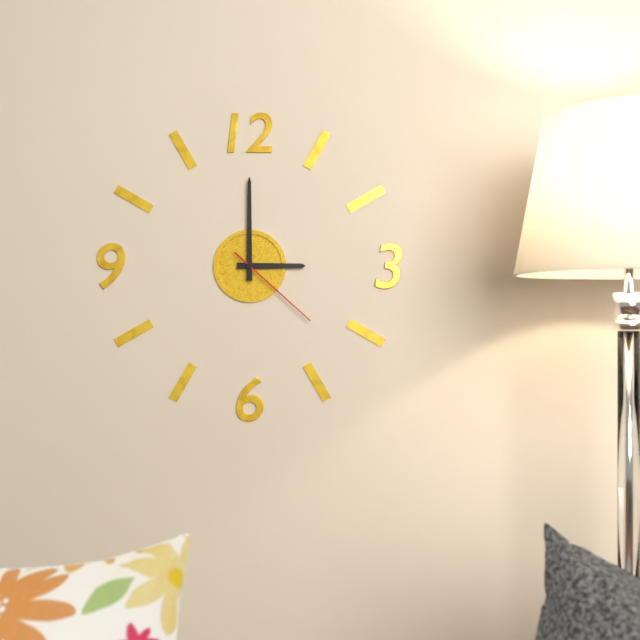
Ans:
h=3 m=0 s=22
